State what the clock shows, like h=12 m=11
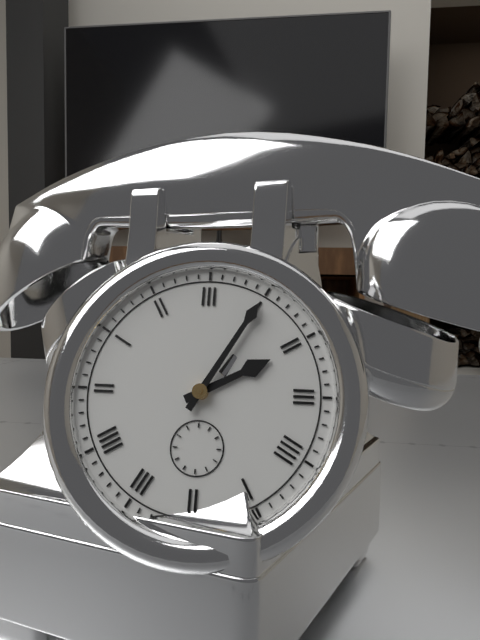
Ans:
h=2 m=5
